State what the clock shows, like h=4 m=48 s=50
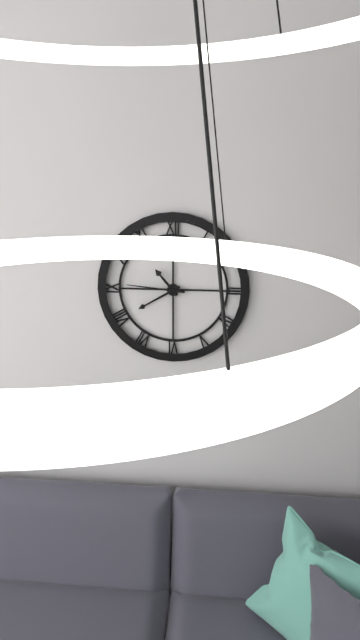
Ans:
h=10 m=40 s=46
